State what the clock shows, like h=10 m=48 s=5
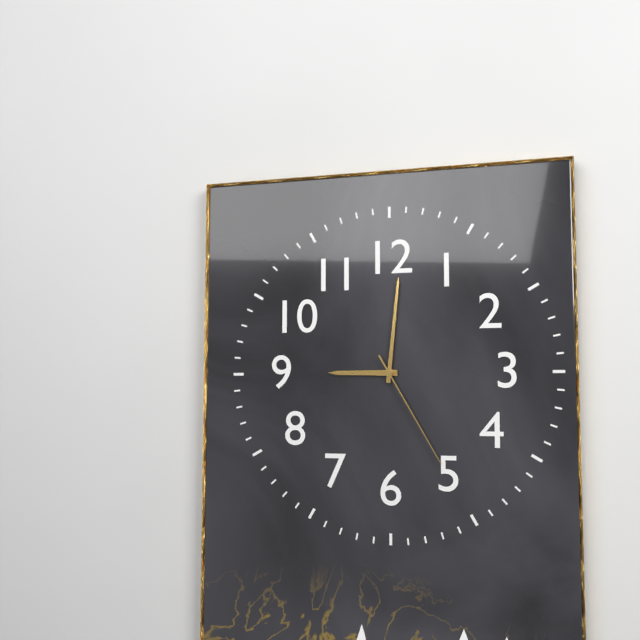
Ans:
h=9 m=1 s=25
